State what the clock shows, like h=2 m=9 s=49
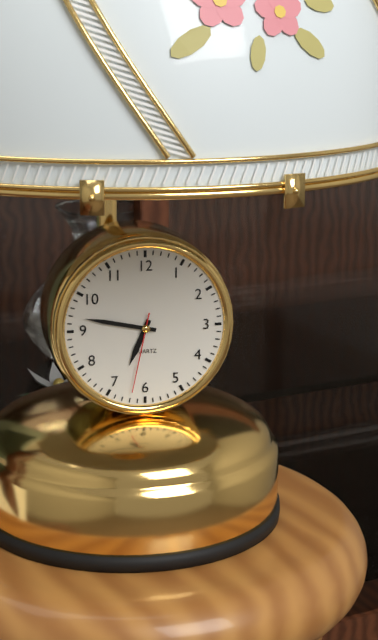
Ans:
h=6 m=47 s=32
